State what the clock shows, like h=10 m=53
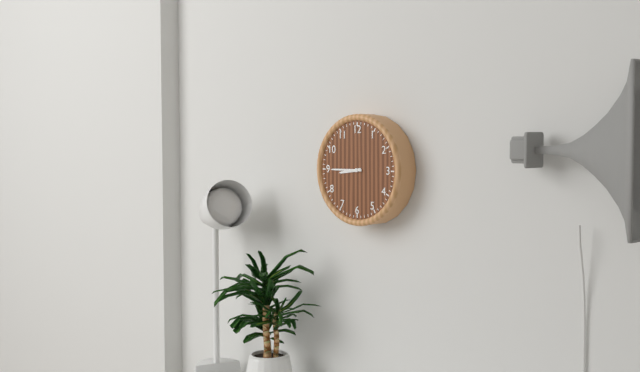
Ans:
h=8 m=45
